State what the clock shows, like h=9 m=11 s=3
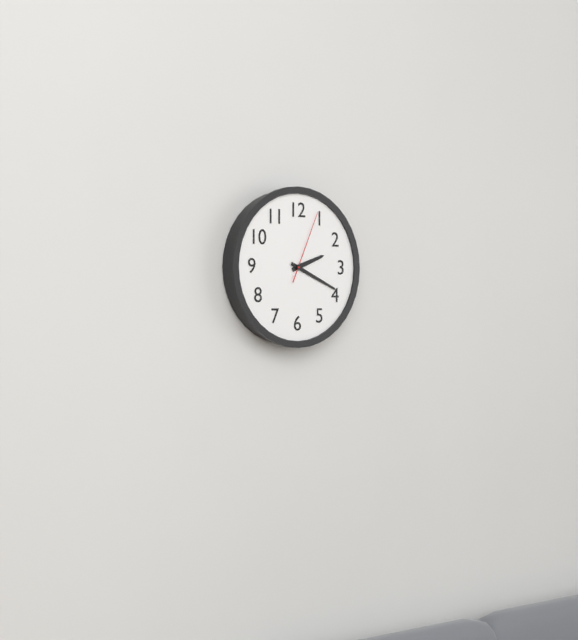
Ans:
h=2 m=19 s=4
